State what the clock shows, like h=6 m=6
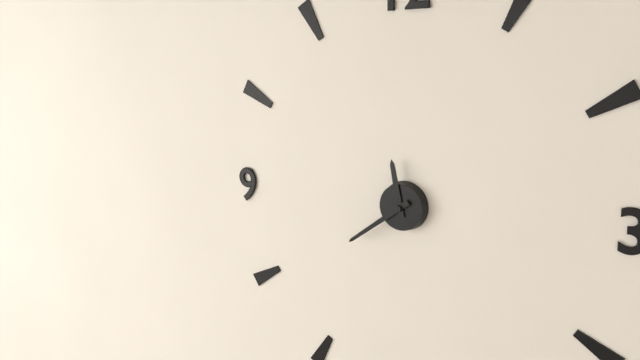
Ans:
h=11 m=39
